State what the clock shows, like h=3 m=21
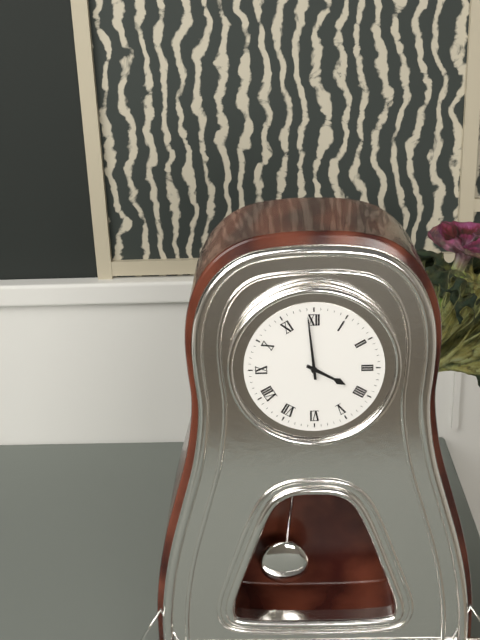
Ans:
h=3 m=59
